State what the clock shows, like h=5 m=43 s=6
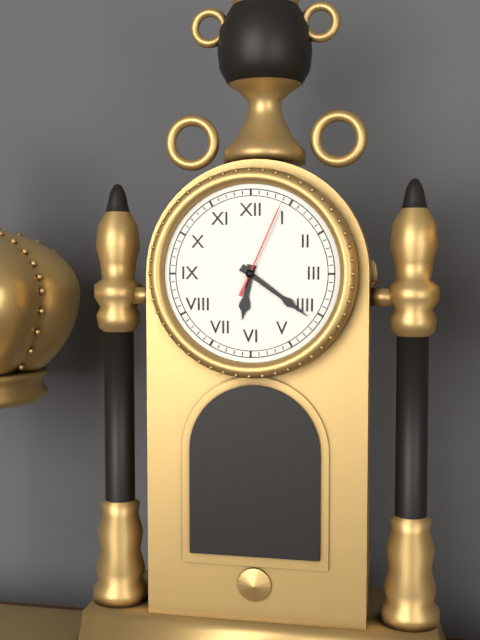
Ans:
h=6 m=21 s=4
